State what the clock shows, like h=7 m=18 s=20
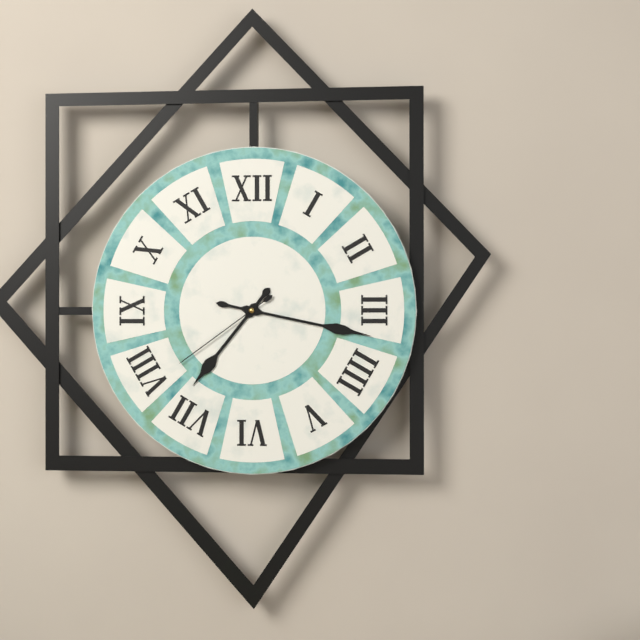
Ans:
h=7 m=17 s=39
